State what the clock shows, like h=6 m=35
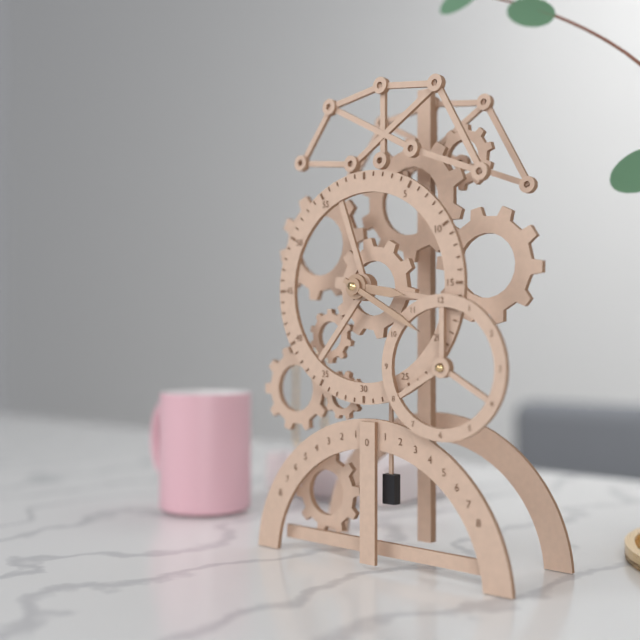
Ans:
h=3 m=20
